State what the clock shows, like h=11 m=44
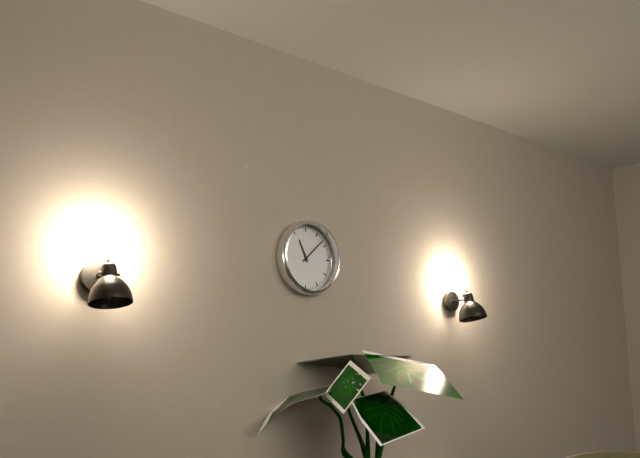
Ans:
h=11 m=8
